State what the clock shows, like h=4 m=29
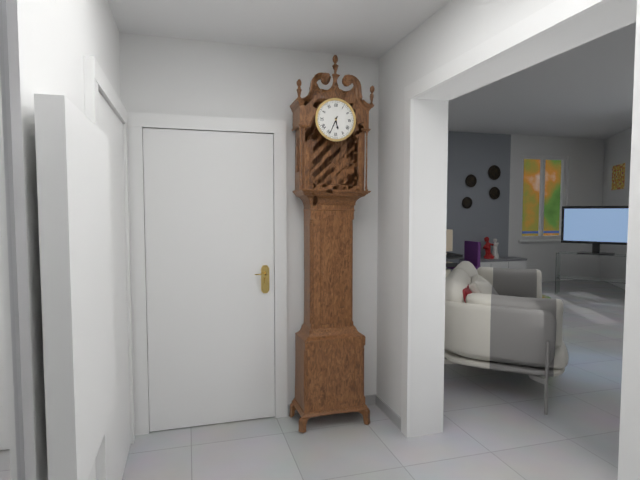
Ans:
h=5 m=34
